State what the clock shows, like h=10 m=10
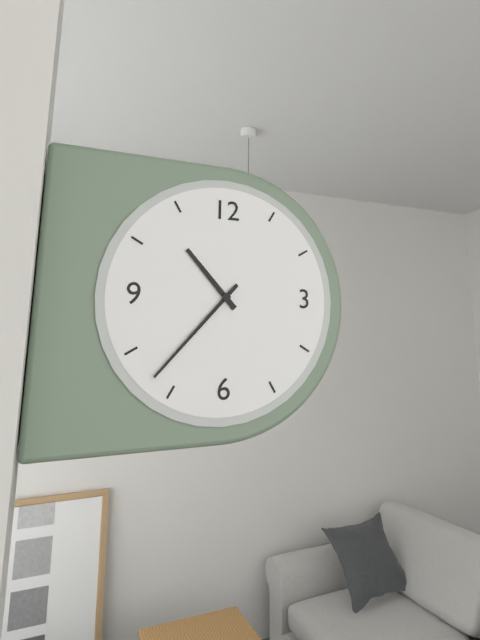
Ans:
h=10 m=37
